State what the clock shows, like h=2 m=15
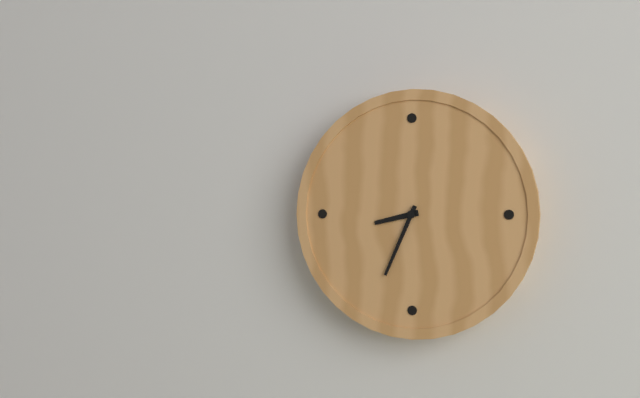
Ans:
h=8 m=34
